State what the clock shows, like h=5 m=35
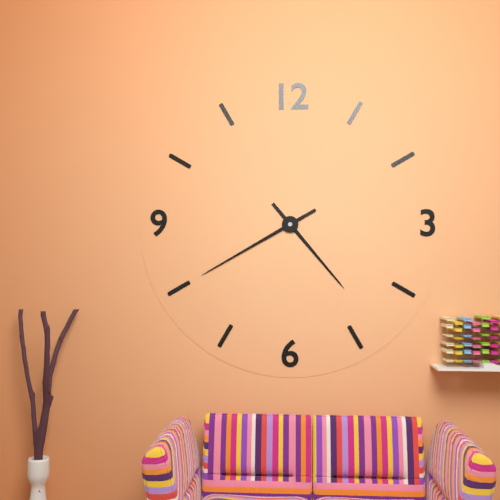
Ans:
h=4 m=40
